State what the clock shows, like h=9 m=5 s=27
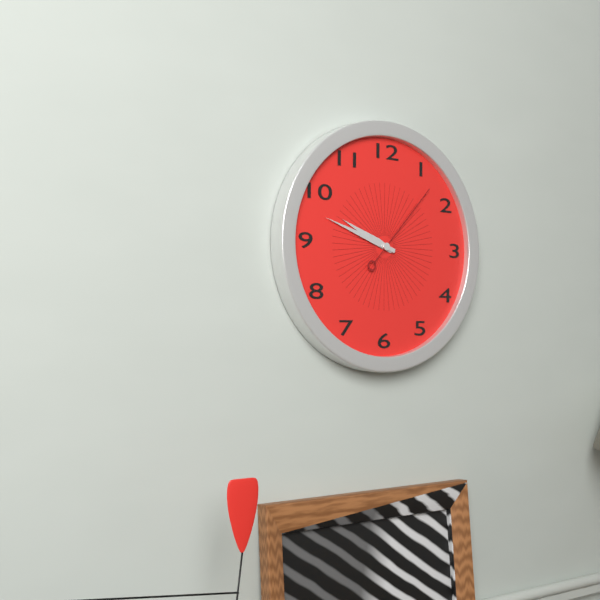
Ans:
h=9 m=48 s=7
